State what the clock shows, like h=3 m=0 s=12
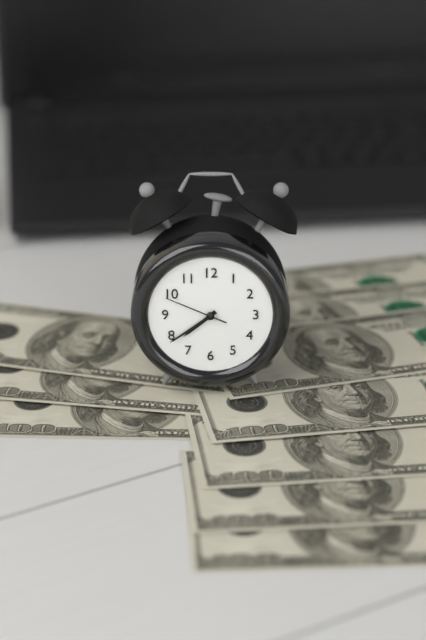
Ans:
h=7 m=39 s=49
